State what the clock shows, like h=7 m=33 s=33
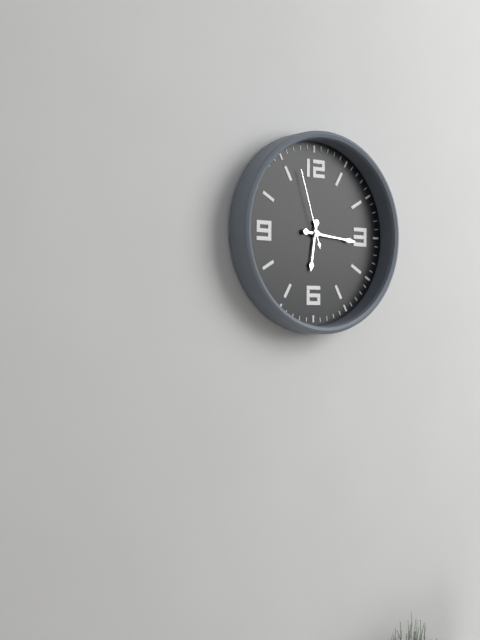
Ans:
h=6 m=16 s=57
